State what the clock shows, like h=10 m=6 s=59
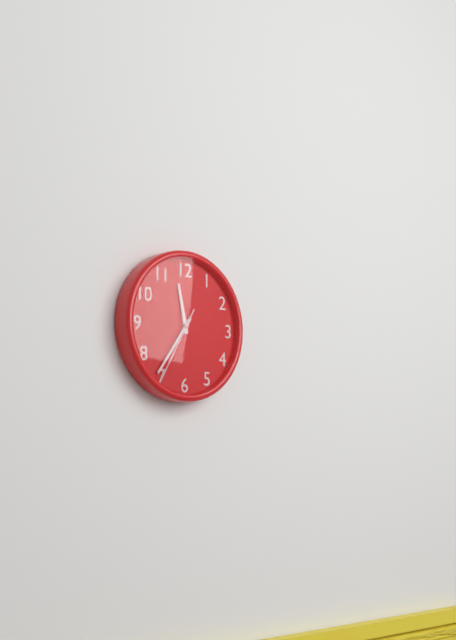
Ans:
h=11 m=36 s=35
